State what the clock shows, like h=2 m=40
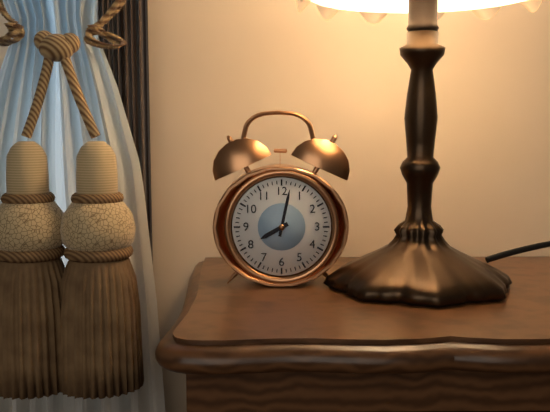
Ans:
h=8 m=2
